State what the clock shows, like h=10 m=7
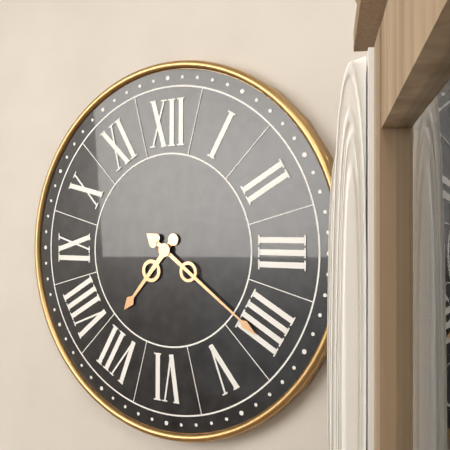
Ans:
h=7 m=21
